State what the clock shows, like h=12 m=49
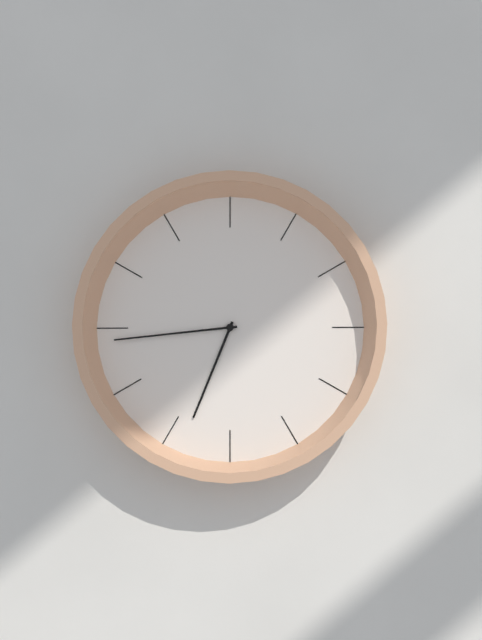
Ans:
h=6 m=44
